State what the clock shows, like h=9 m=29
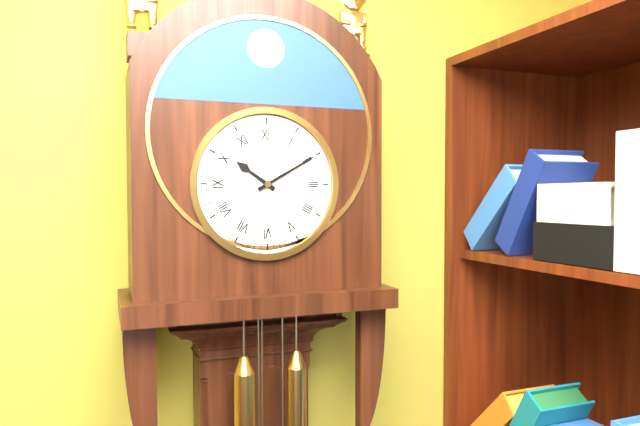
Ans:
h=10 m=10
